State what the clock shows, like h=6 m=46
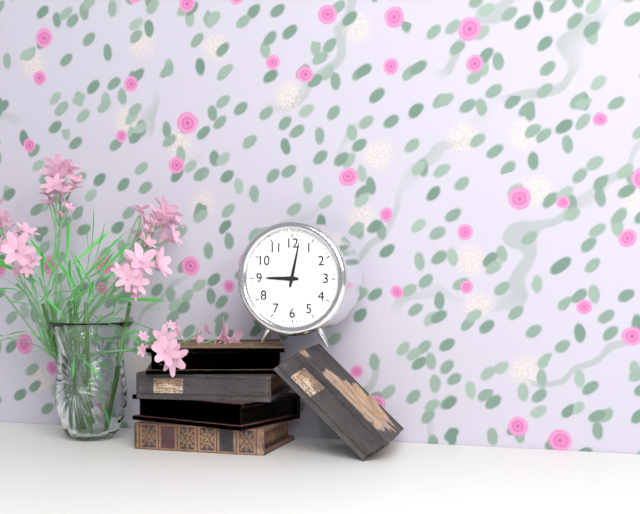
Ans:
h=9 m=2
